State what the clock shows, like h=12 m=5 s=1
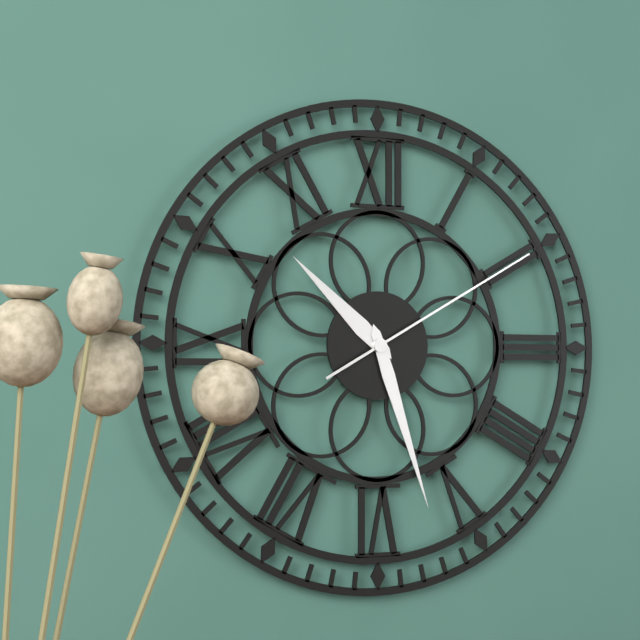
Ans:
h=10 m=27 s=10
